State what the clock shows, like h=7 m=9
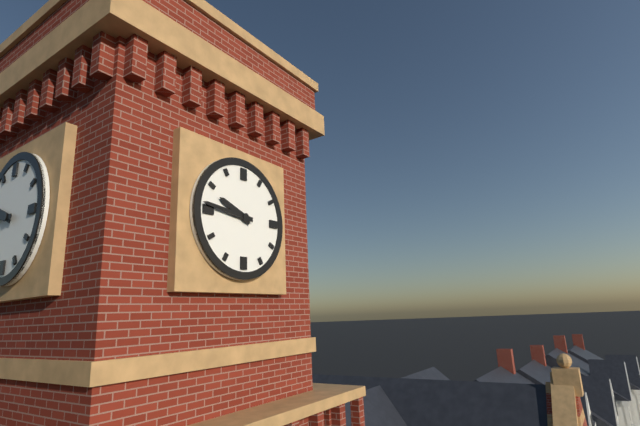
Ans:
h=9 m=46
